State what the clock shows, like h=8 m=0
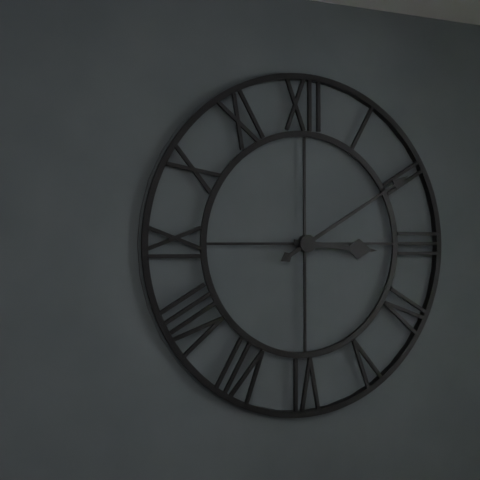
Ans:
h=3 m=10
